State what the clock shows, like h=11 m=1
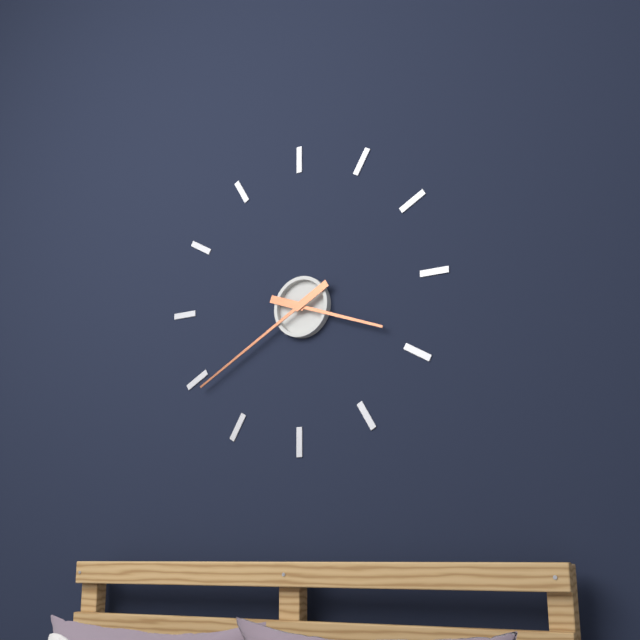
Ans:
h=3 m=40
